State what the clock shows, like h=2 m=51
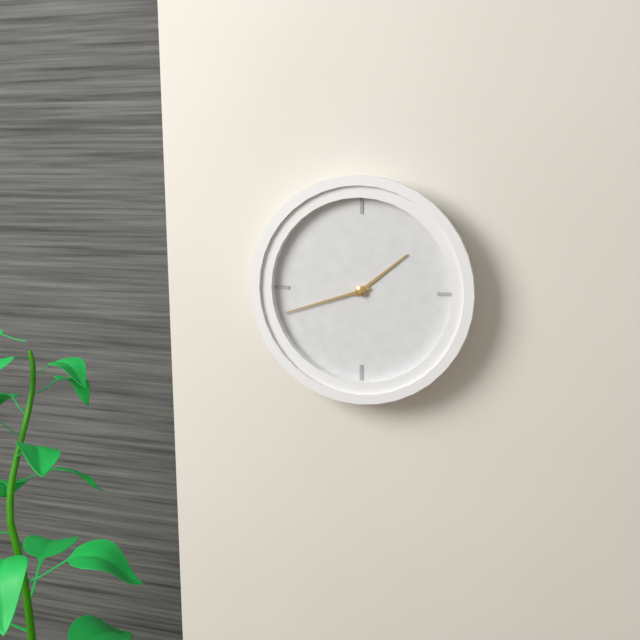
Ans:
h=1 m=42
